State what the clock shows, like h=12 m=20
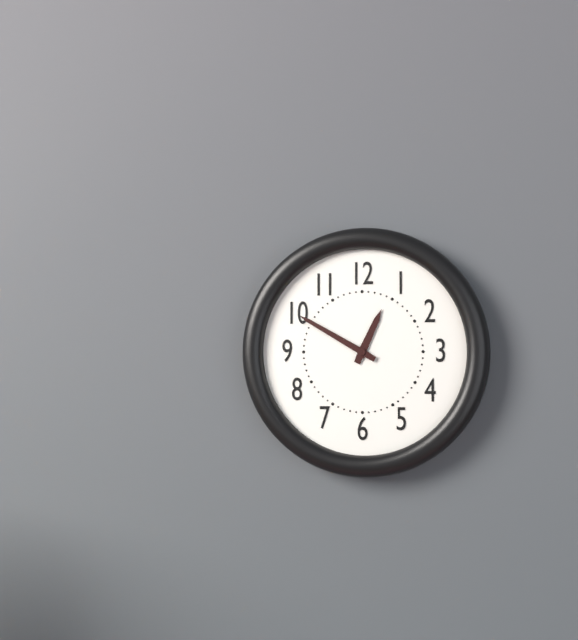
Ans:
h=12 m=50
